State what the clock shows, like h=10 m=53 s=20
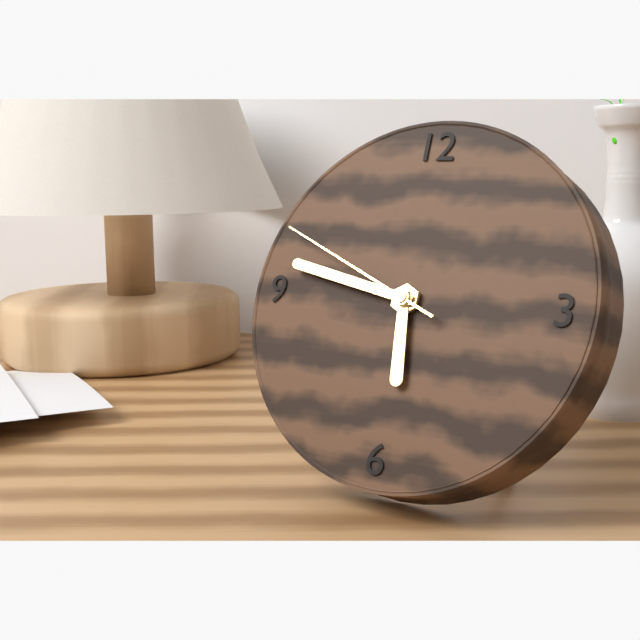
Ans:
h=5 m=47 s=49
